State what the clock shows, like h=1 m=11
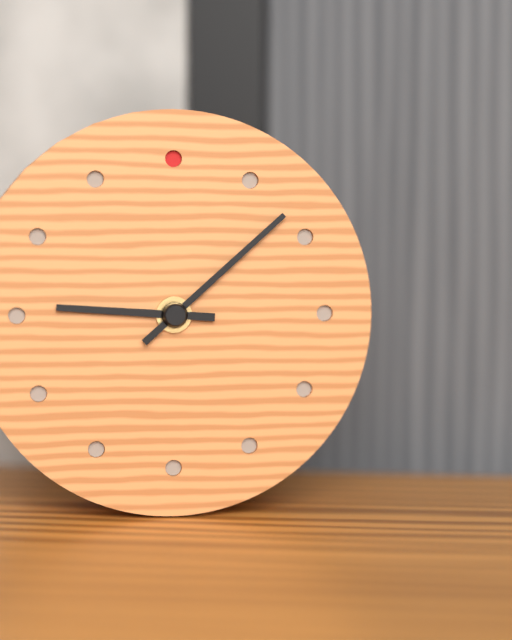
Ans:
h=9 m=8
